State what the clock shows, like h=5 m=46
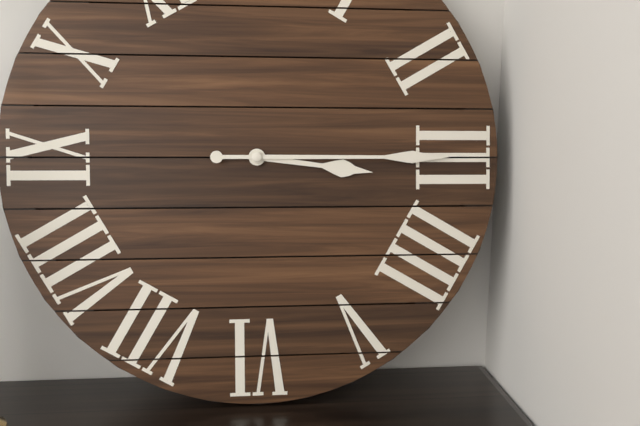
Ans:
h=3 m=15
